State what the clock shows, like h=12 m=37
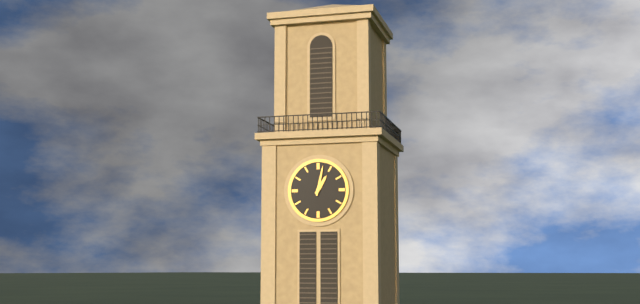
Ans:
h=1 m=2
